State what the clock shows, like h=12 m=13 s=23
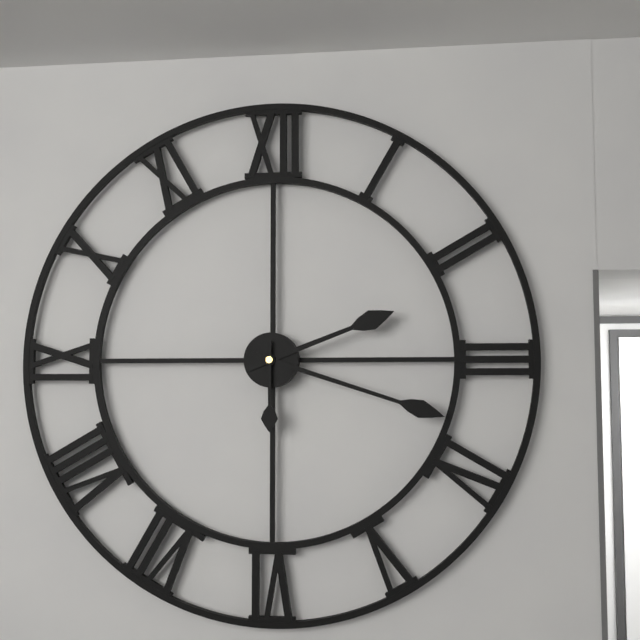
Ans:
h=2 m=18 s=30
